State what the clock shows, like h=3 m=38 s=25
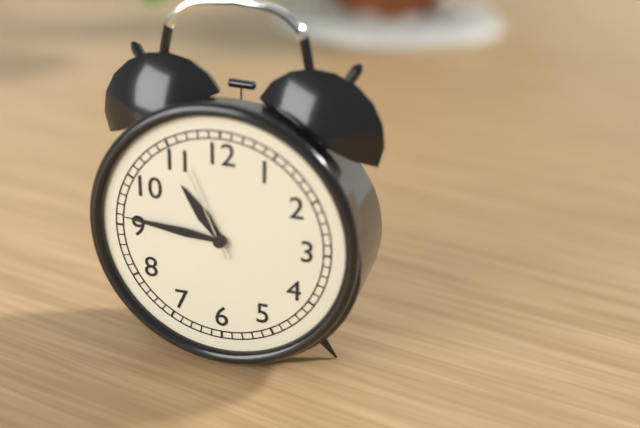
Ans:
h=10 m=46 s=56
